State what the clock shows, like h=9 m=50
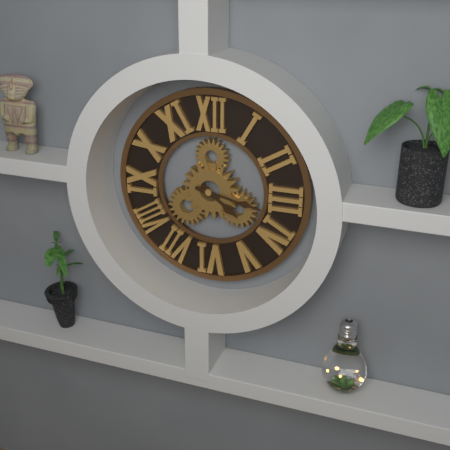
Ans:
h=4 m=17
